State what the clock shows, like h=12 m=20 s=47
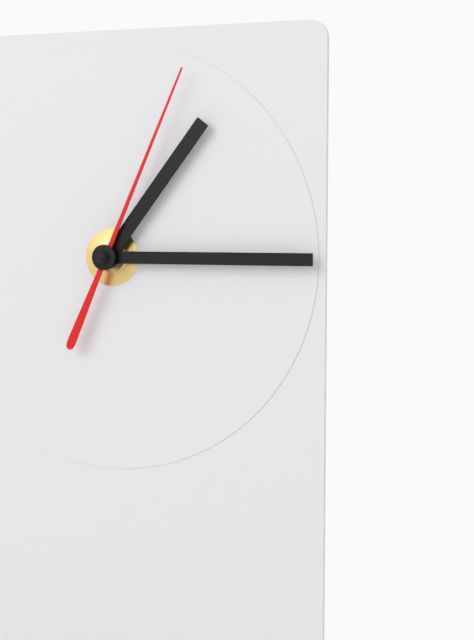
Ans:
h=1 m=15 s=4
